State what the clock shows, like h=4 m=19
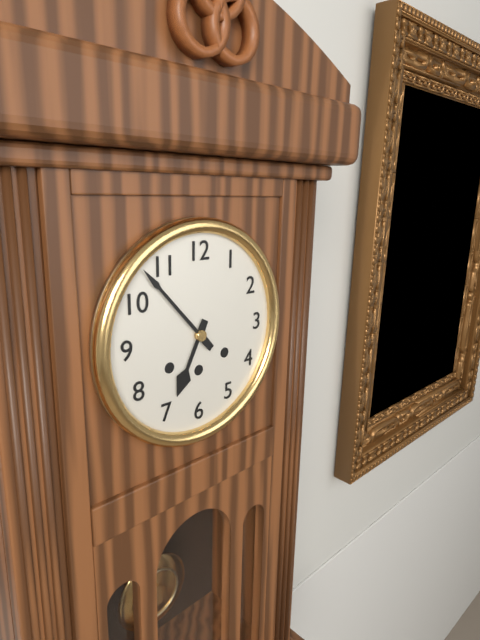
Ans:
h=6 m=53
